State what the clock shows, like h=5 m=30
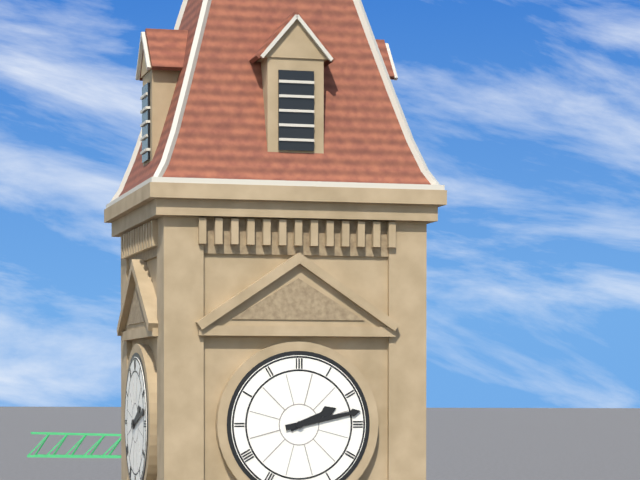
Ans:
h=2 m=13
